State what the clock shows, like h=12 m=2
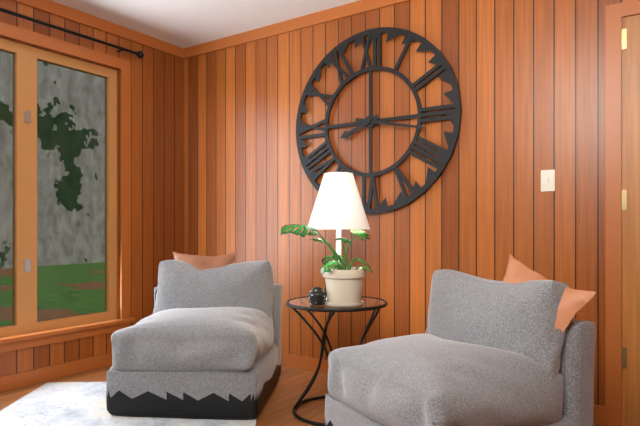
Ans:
h=8 m=17
